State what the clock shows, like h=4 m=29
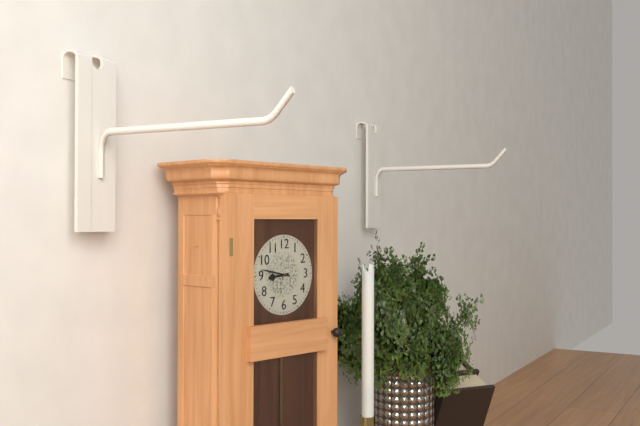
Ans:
h=8 m=47
